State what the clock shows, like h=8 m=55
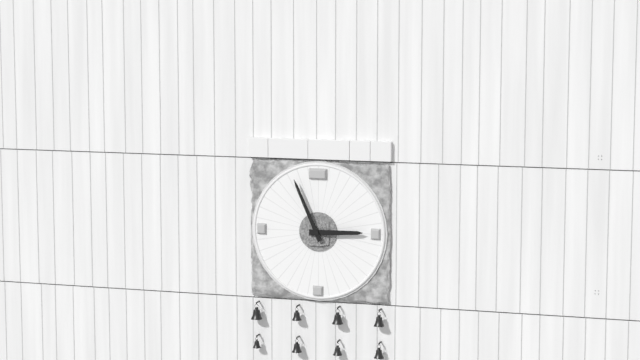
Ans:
h=2 m=56
